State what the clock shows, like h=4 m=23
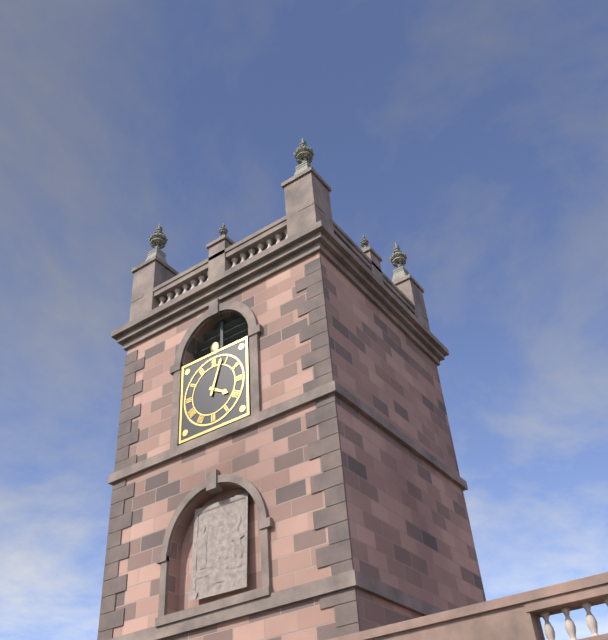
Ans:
h=4 m=3
